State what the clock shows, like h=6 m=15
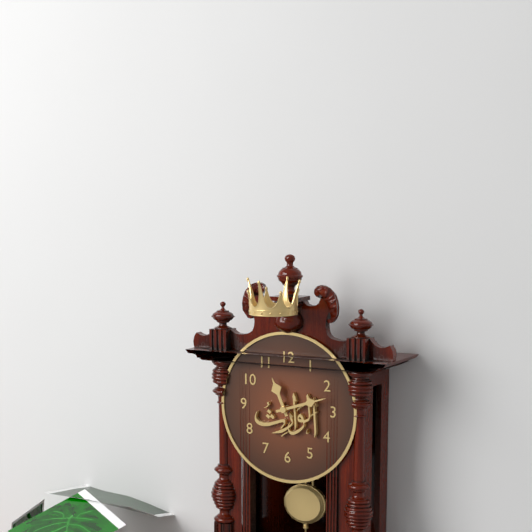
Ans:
h=11 m=12
